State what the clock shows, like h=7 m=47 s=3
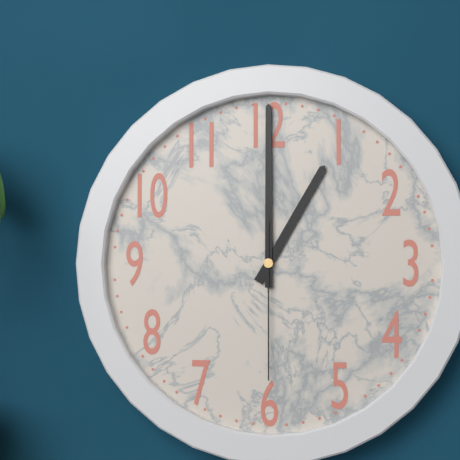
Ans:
h=1 m=0 s=30
